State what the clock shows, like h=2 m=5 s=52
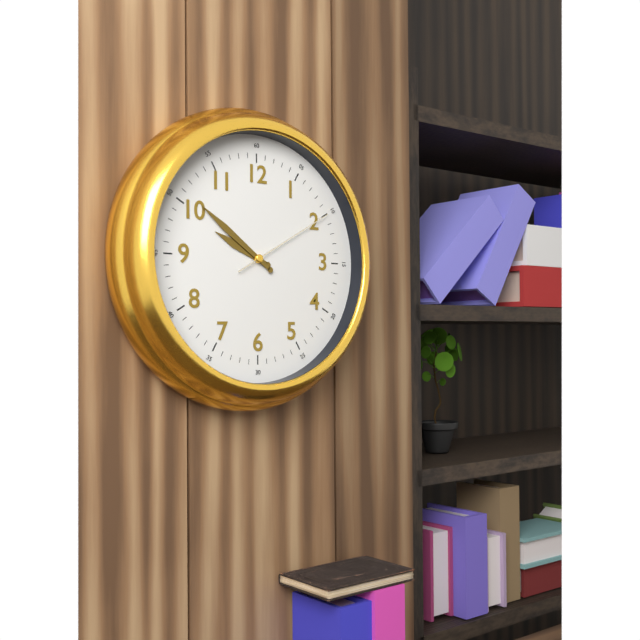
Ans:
h=9 m=51 s=10
